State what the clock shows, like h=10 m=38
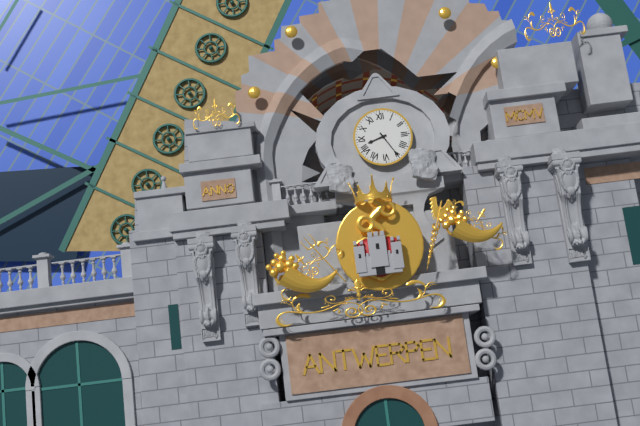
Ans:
h=8 m=25
